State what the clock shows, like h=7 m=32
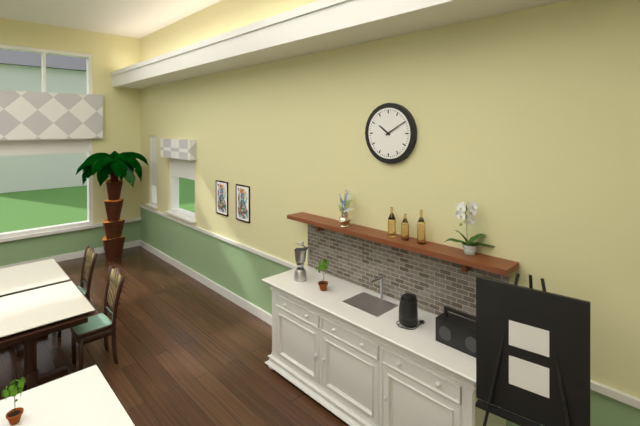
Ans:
h=10 m=10
